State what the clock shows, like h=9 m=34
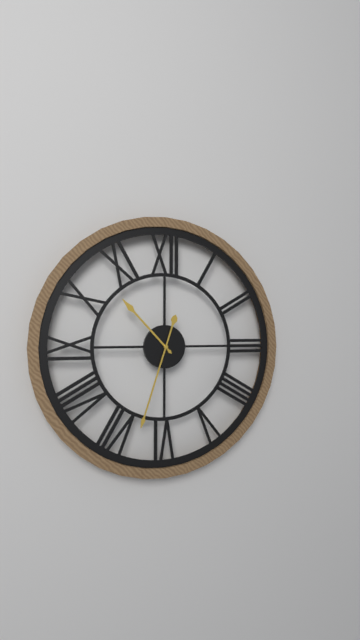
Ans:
h=10 m=33
